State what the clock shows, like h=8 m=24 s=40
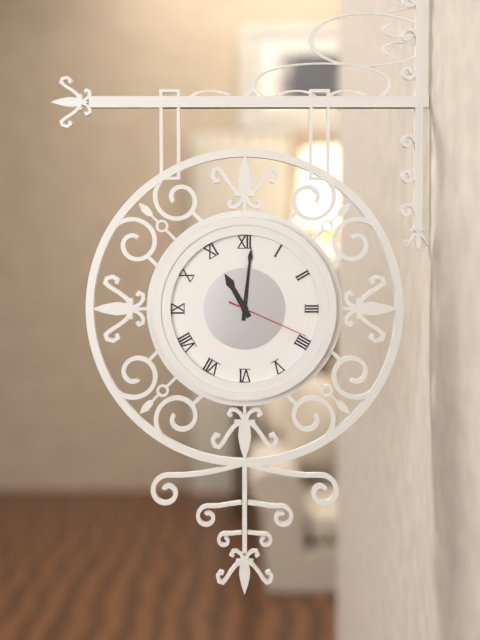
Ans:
h=11 m=1 s=19
